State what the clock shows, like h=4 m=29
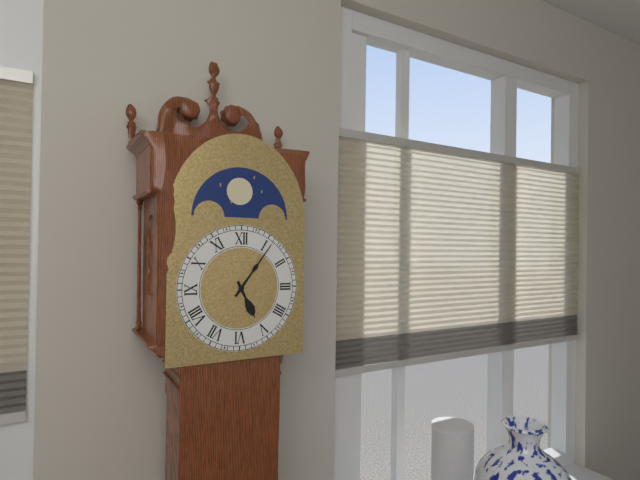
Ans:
h=5 m=6
